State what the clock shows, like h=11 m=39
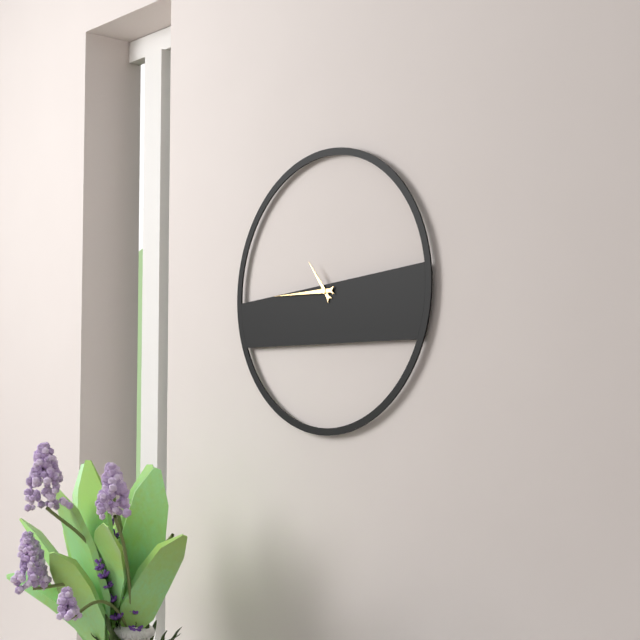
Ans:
h=10 m=45
